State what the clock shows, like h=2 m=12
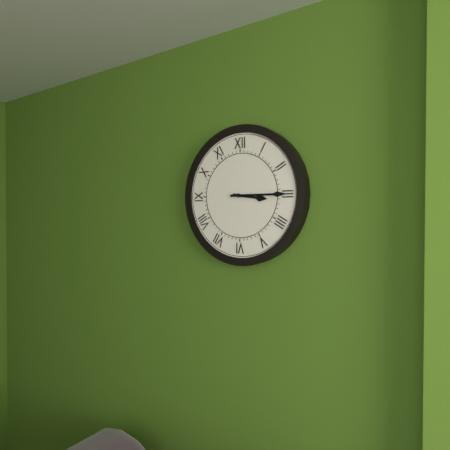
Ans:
h=3 m=15
